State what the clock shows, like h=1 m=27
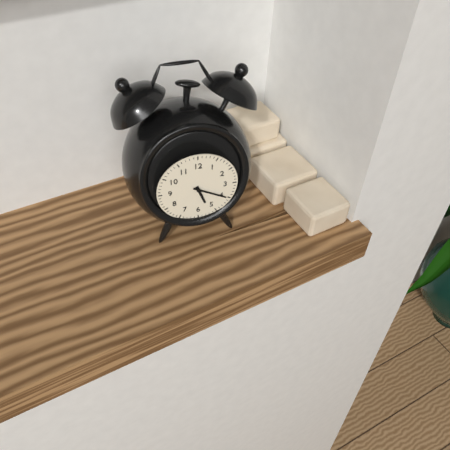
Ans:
h=5 m=20
